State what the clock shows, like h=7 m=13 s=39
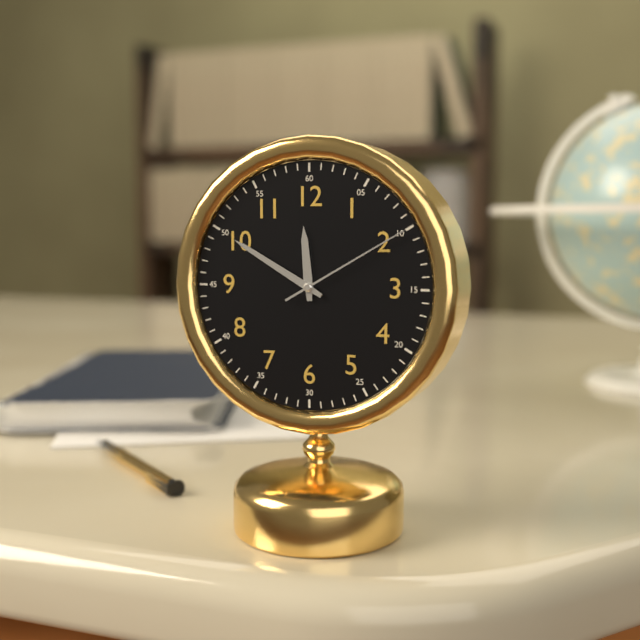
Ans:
h=11 m=50 s=10
